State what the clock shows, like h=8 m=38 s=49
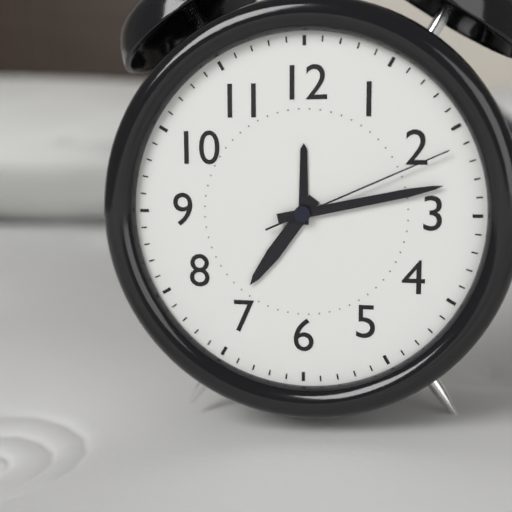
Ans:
h=7 m=13 s=11
